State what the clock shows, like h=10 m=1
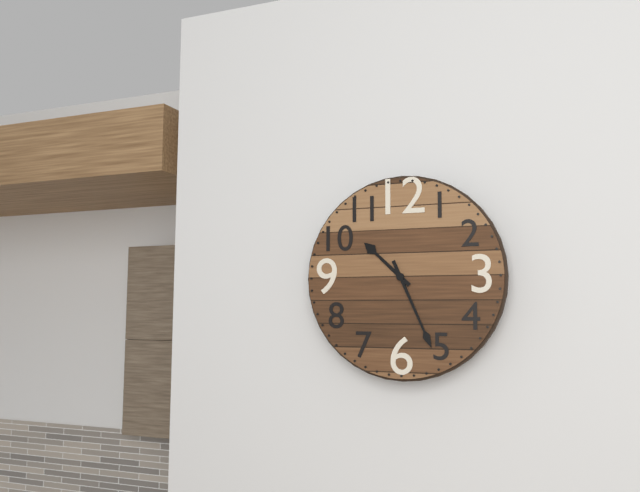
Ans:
h=10 m=26
